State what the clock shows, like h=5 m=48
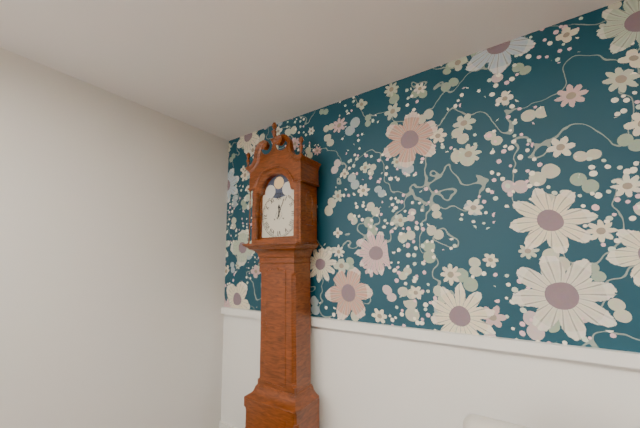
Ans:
h=12 m=4
